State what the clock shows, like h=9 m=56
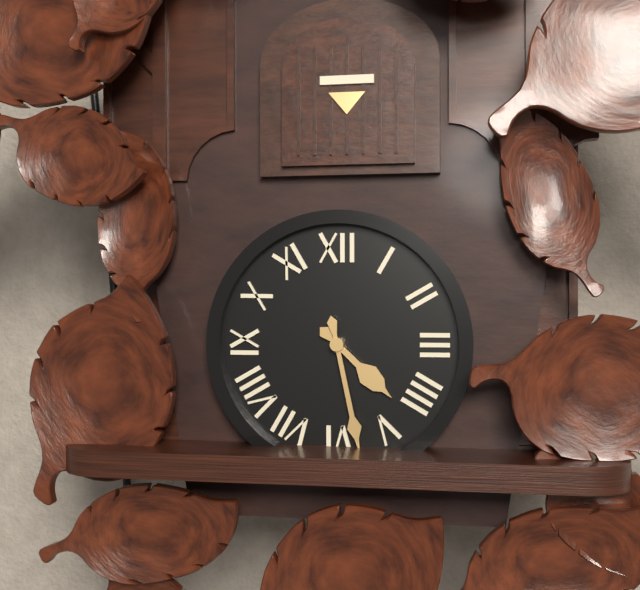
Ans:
h=4 m=28
